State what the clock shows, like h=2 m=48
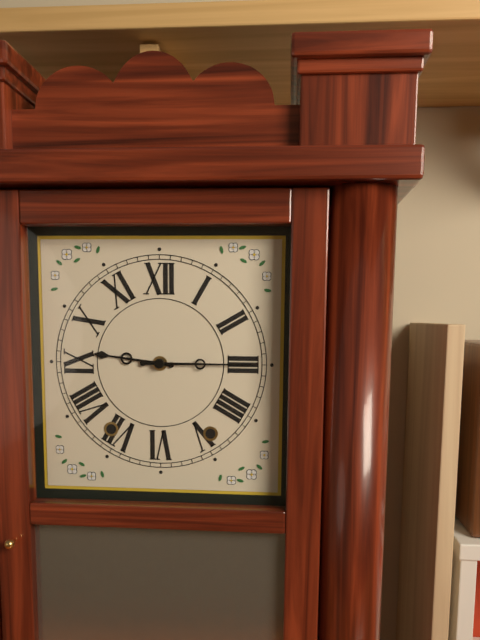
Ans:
h=9 m=15
